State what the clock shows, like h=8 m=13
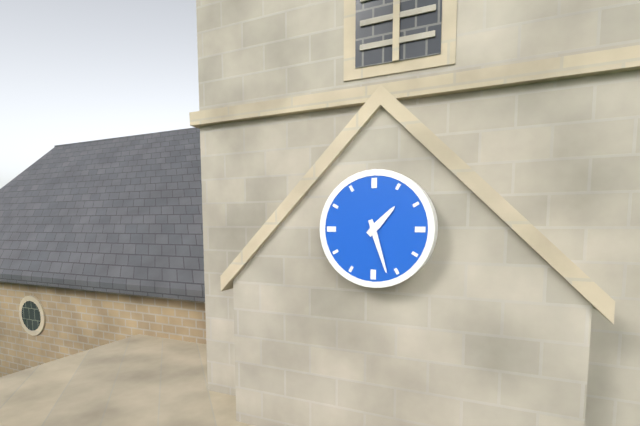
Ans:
h=1 m=27
